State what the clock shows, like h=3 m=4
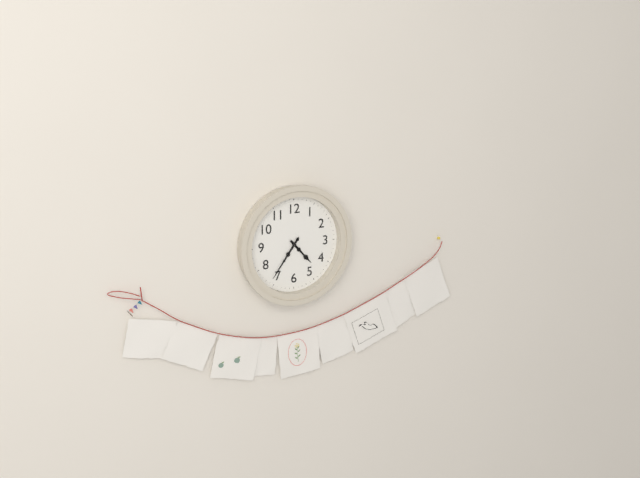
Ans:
h=4 m=36
